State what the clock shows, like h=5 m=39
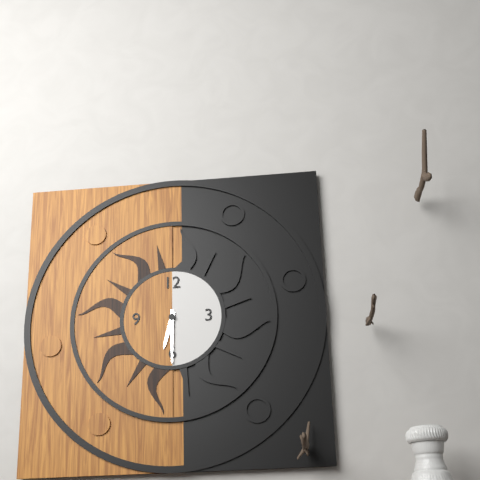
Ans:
h=6 m=30
